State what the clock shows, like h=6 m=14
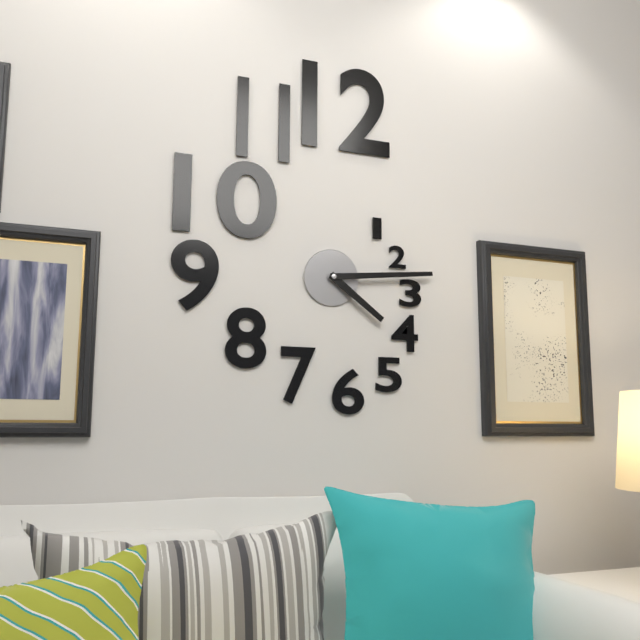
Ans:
h=4 m=14
